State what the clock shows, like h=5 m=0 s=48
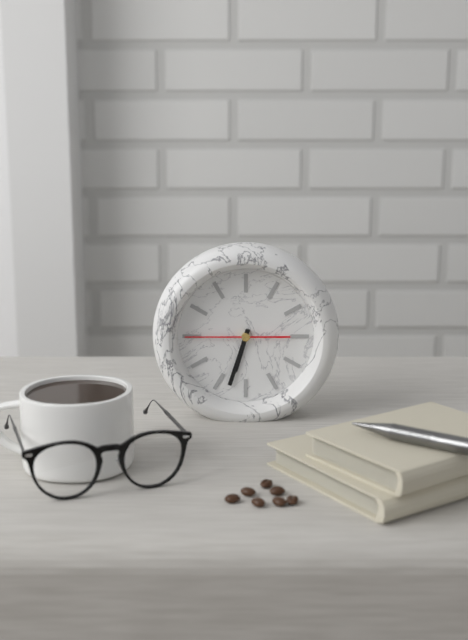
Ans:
h=6 m=33 s=45
